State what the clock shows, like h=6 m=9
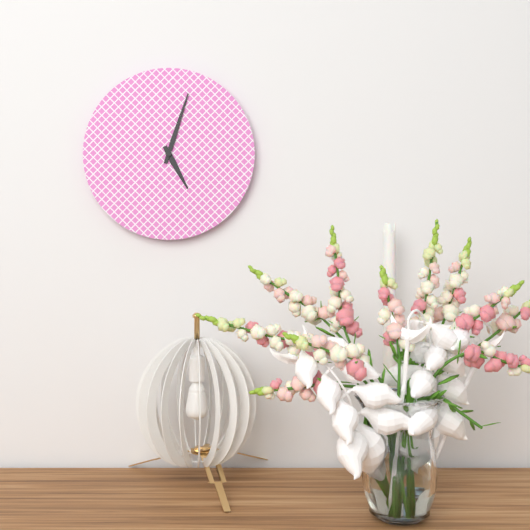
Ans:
h=5 m=3
